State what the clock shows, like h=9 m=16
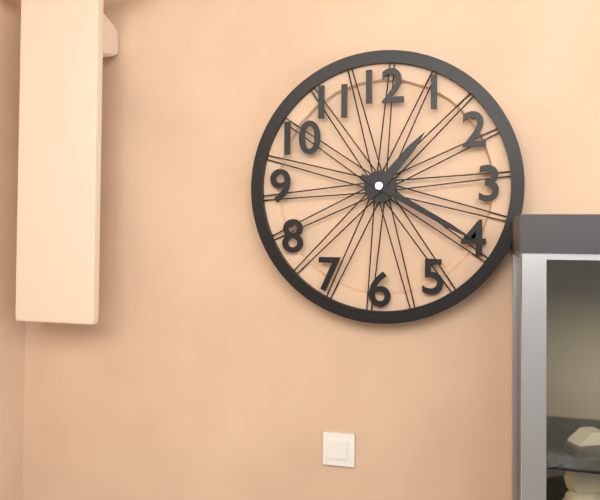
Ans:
h=1 m=20
